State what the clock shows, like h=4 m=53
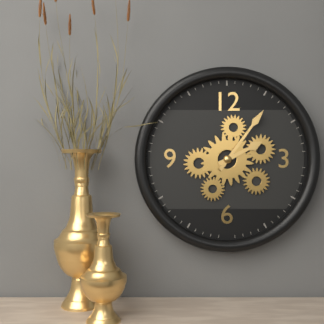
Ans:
h=2 m=6
